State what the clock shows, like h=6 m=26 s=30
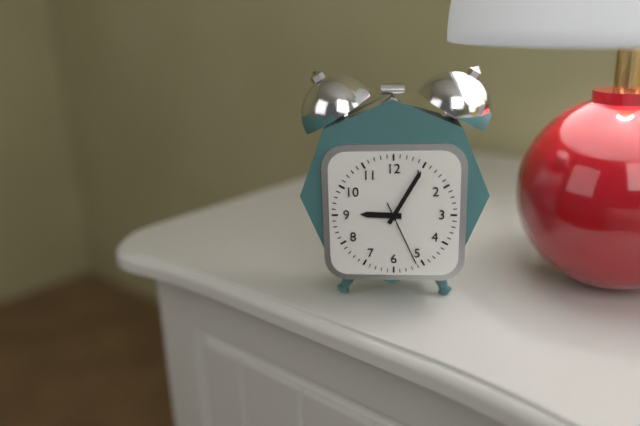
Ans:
h=9 m=5 s=26
